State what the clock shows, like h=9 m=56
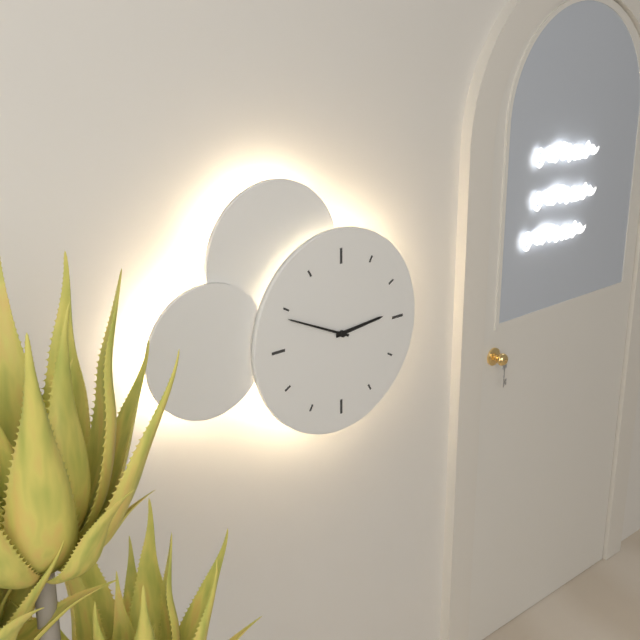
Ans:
h=2 m=49
